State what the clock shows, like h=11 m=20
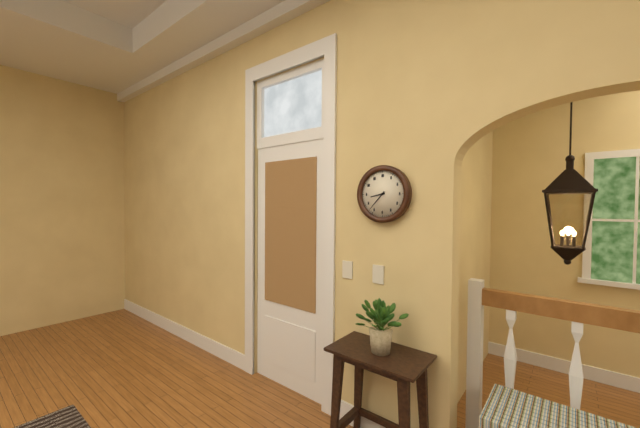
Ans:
h=8 m=37
